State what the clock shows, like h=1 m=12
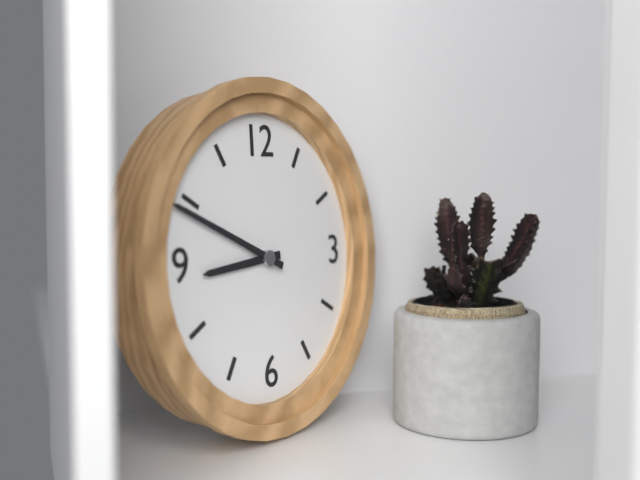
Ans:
h=8 m=49
